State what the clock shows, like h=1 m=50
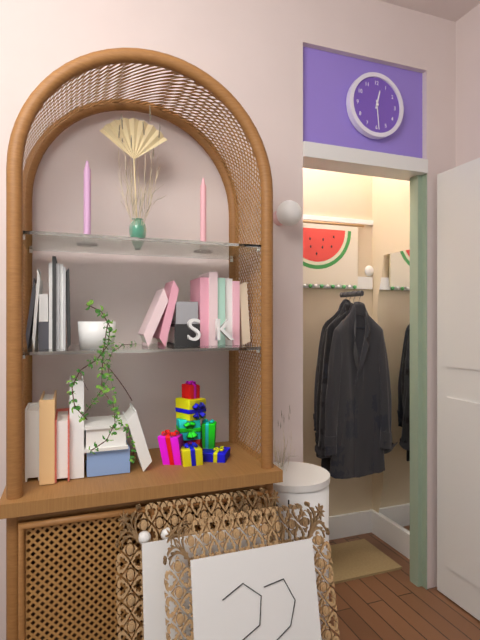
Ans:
h=12 m=29
